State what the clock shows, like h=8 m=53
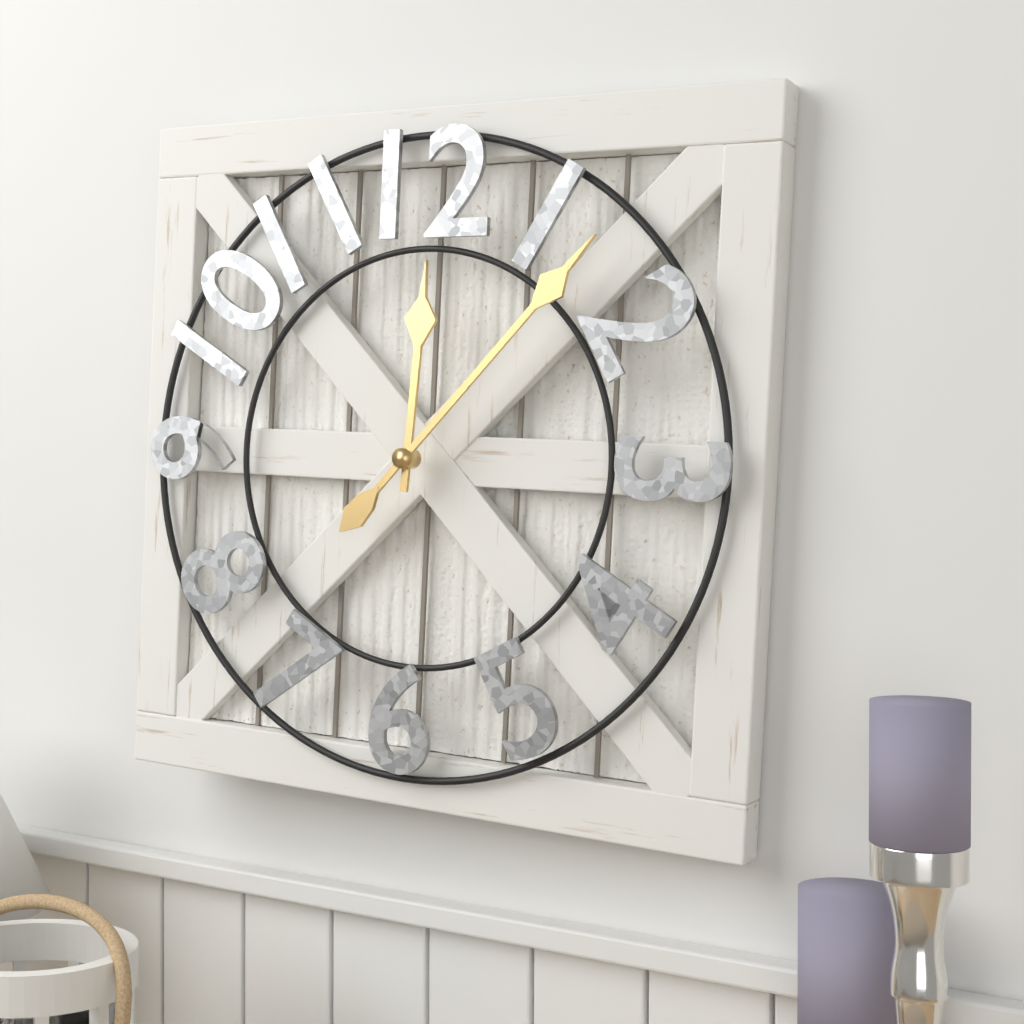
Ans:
h=12 m=7
